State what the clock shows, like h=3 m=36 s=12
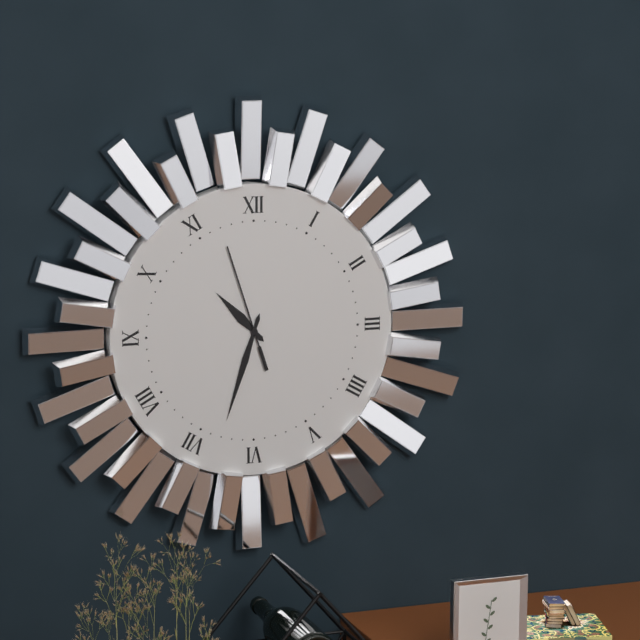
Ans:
h=10 m=33 s=57
